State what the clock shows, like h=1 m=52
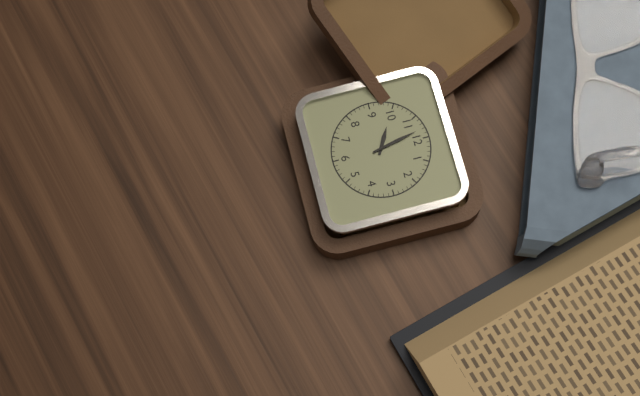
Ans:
h=9 m=58
